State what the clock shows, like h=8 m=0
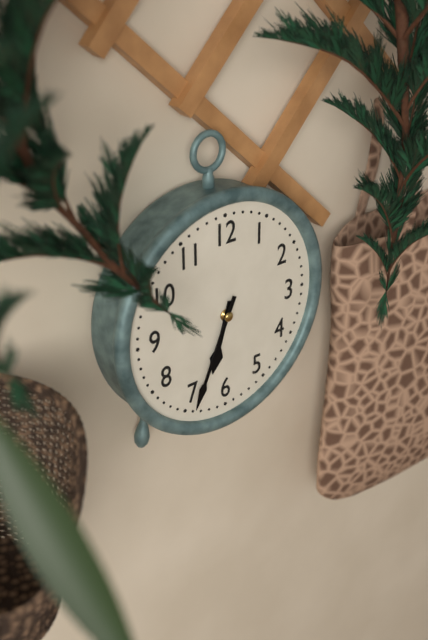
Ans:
h=6 m=34
